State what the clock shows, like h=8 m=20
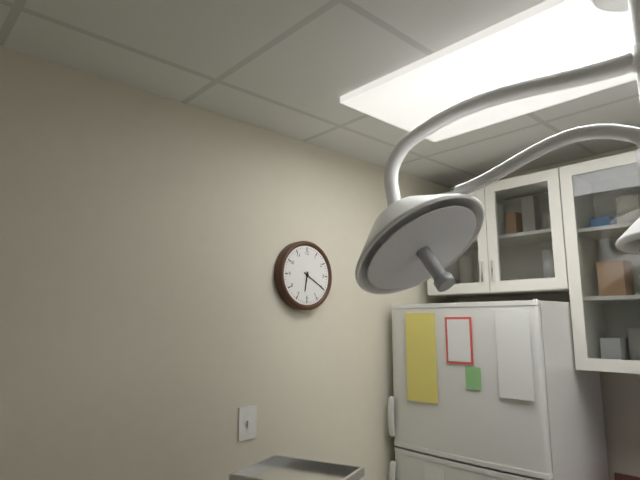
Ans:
h=6 m=20
